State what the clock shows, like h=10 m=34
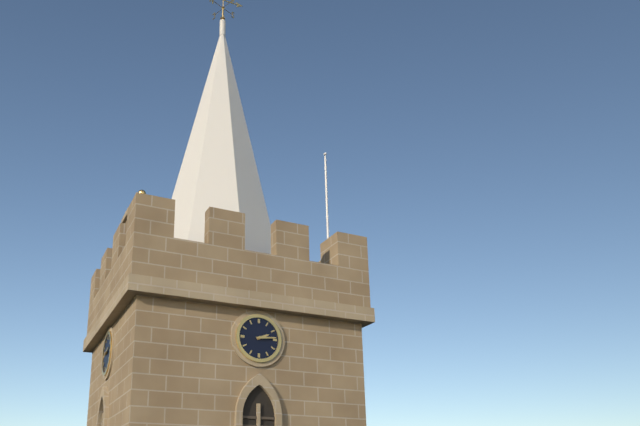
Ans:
h=2 m=14
